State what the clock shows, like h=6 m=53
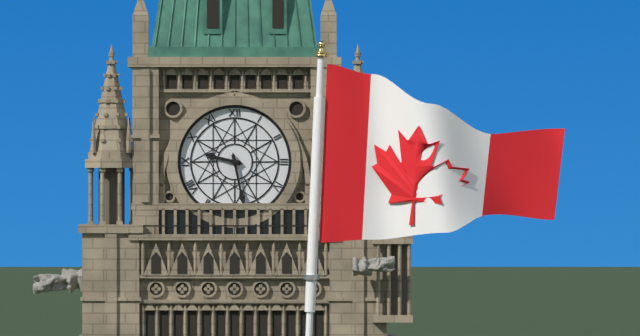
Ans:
h=9 m=28
